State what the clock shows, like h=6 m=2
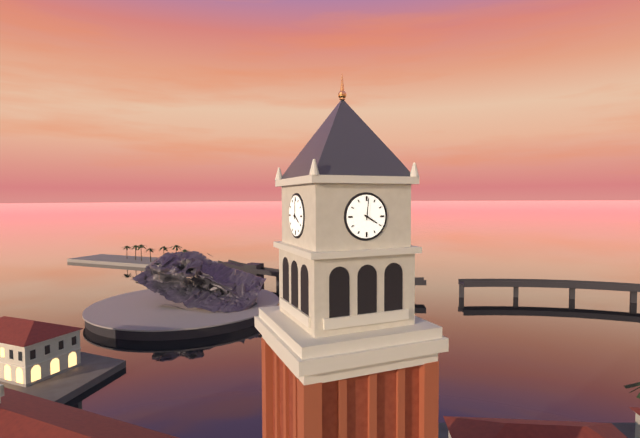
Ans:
h=4 m=1
